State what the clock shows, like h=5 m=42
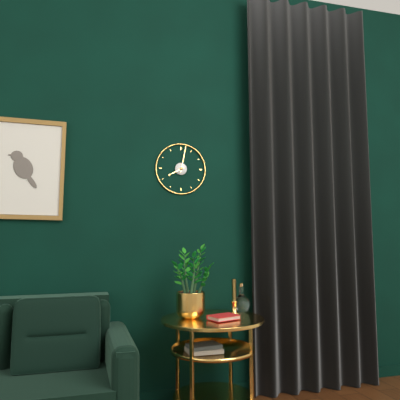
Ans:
h=8 m=2
